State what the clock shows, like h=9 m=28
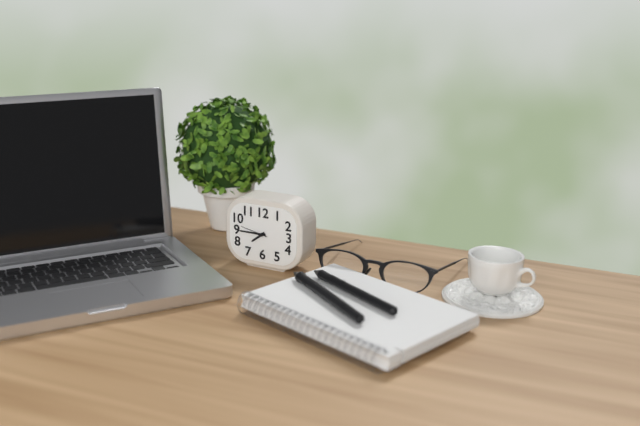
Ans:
h=7 m=45
